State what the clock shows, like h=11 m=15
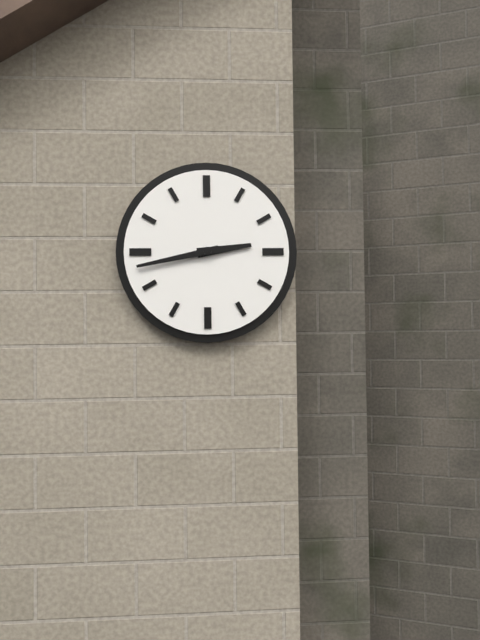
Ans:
h=2 m=43
